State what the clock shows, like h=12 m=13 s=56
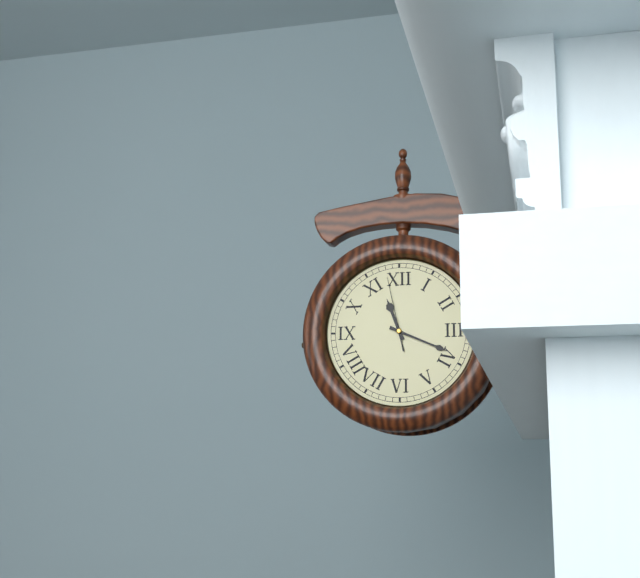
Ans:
h=11 m=19 s=58
